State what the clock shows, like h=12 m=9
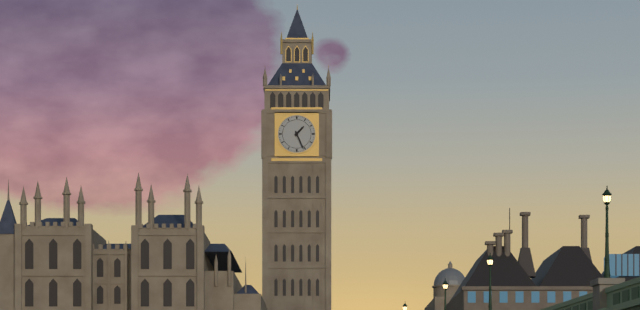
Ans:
h=1 m=26
